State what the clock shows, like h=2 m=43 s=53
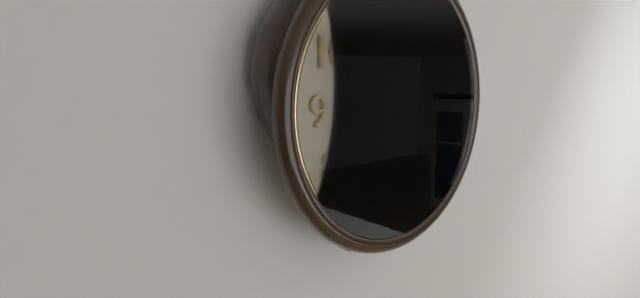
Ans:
h=3 m=54 s=38
